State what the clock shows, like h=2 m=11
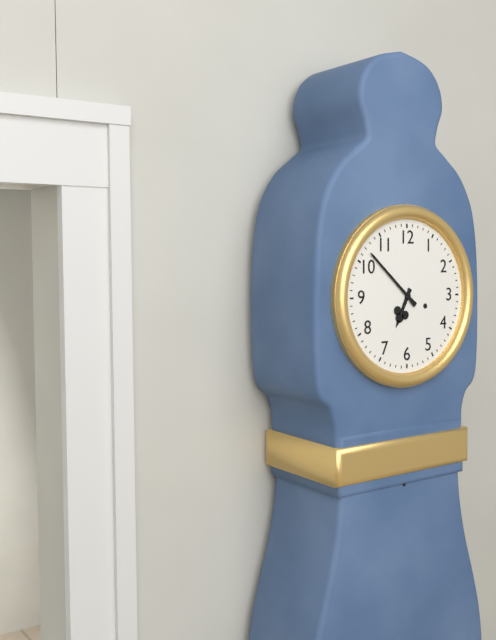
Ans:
h=6 m=52
